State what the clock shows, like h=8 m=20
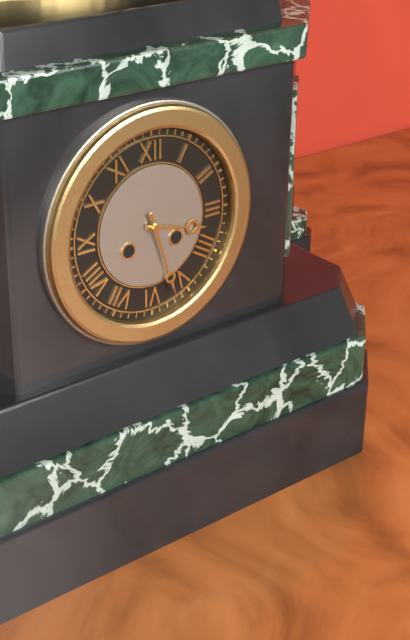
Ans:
h=3 m=27
